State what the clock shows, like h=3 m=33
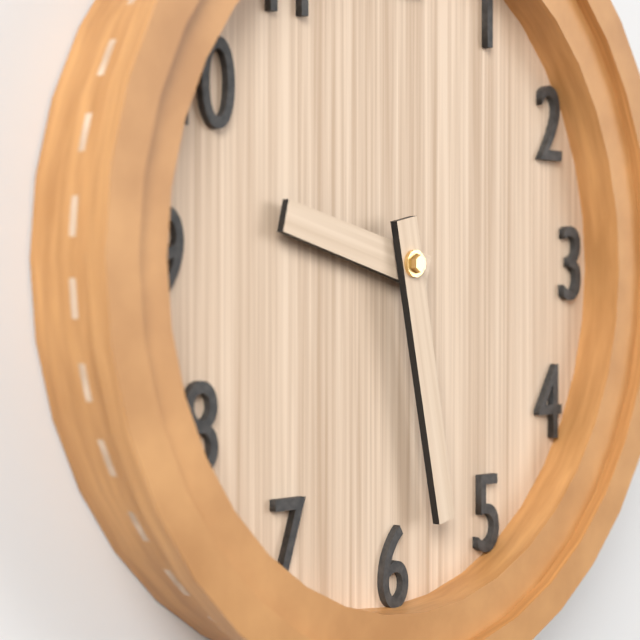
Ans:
h=9 m=28
